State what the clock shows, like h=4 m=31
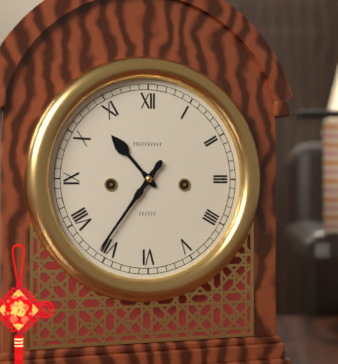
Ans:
h=10 m=36
